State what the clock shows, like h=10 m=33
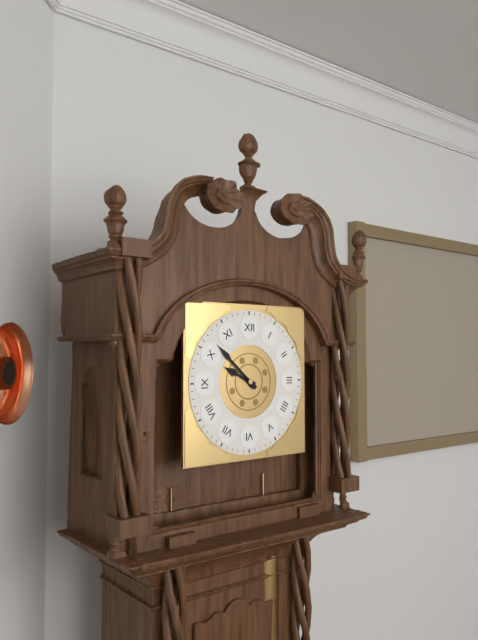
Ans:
h=9 m=52
